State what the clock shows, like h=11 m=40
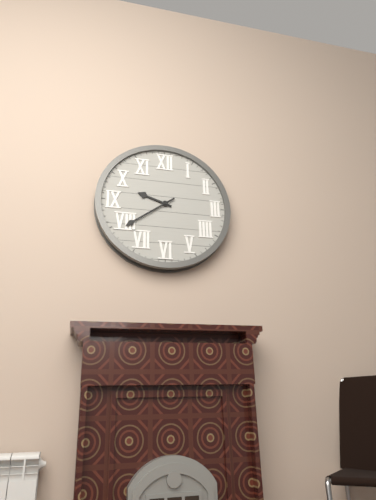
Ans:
h=9 m=39
